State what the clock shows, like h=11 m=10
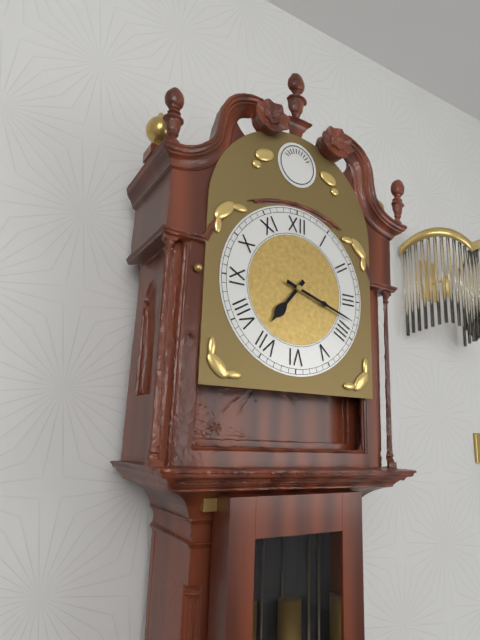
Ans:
h=7 m=18
